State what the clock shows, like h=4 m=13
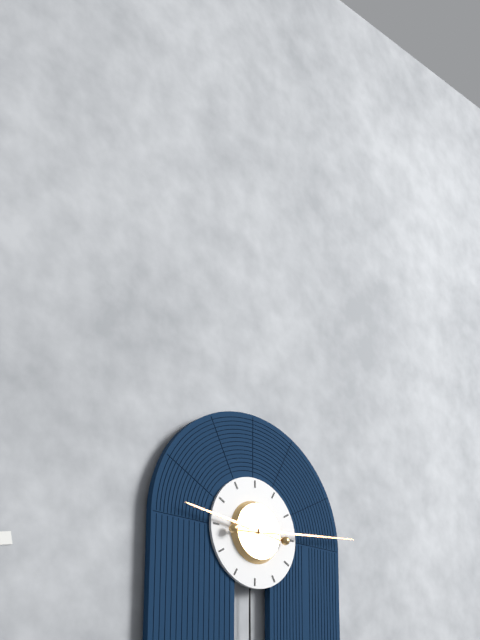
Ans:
h=9 m=14
